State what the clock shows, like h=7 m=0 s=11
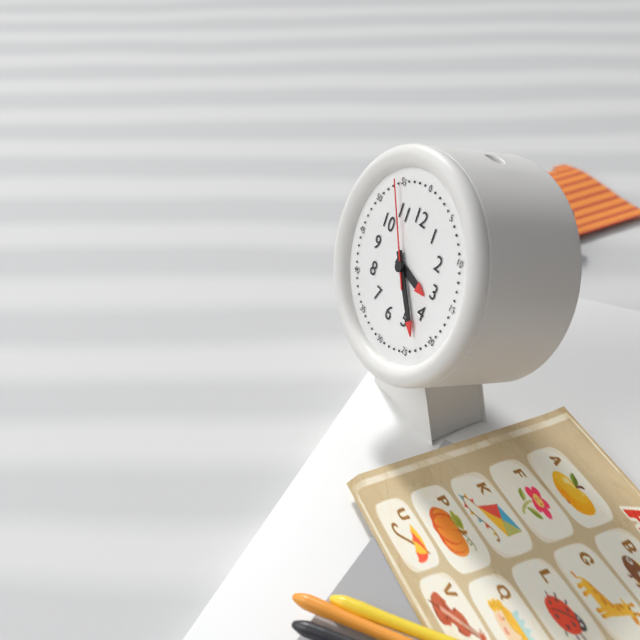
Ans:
h=3 m=23 s=54
